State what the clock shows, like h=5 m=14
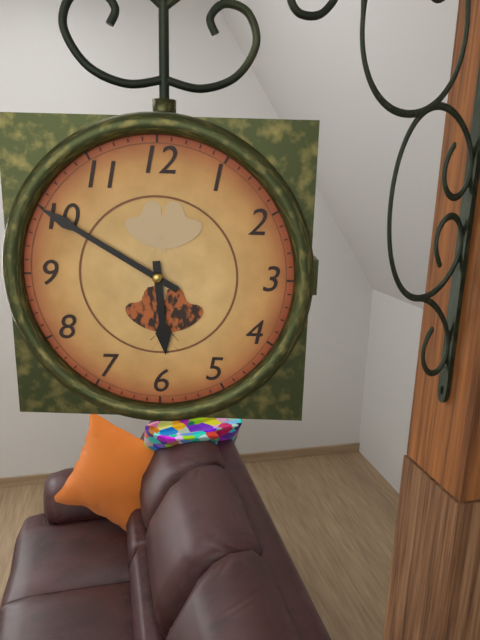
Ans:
h=5 m=50
